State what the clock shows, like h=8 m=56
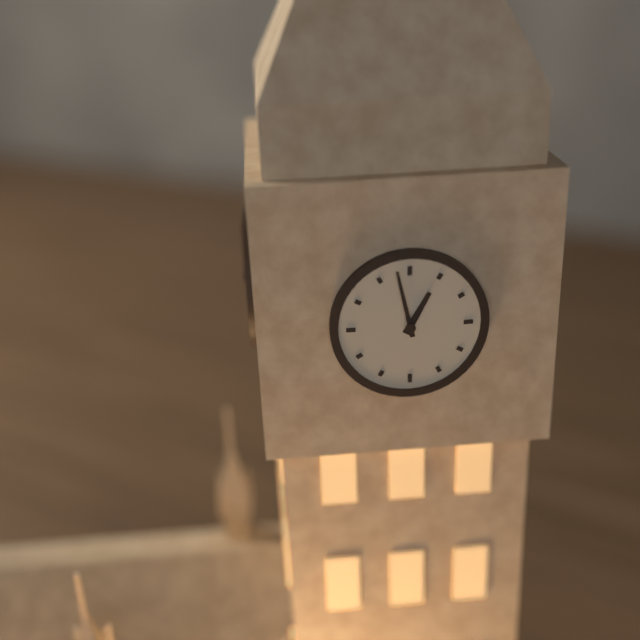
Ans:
h=12 m=58
